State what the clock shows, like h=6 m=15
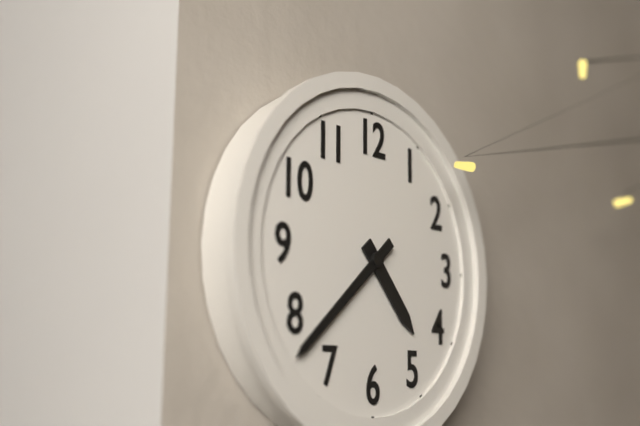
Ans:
h=4 m=38
